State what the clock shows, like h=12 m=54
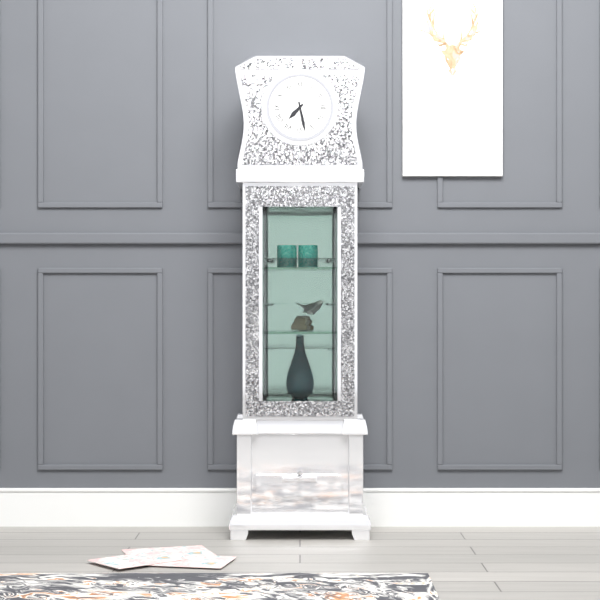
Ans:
h=7 m=28
